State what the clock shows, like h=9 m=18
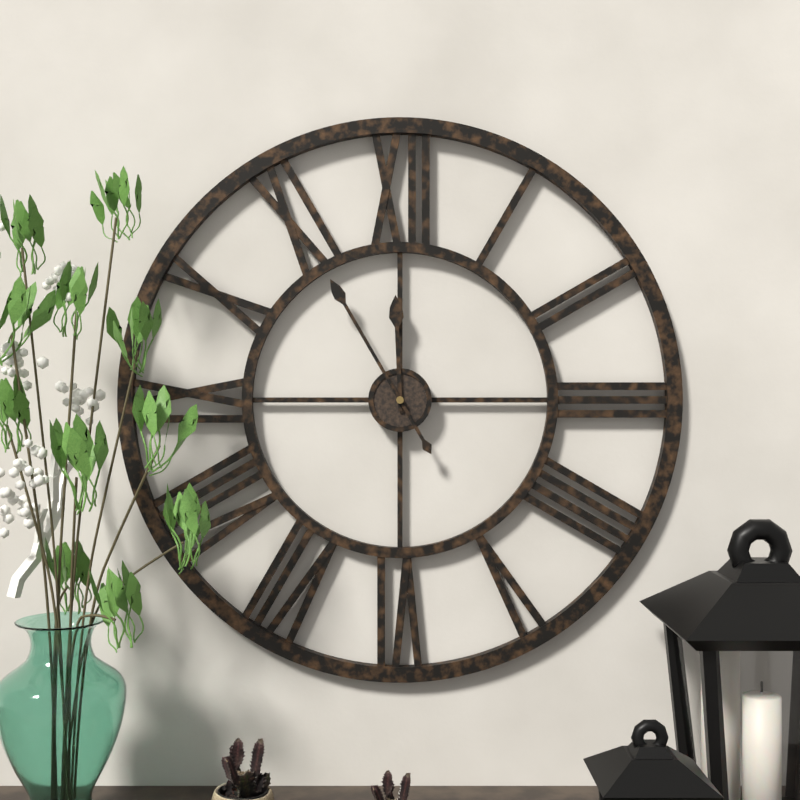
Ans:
h=11 m=55
